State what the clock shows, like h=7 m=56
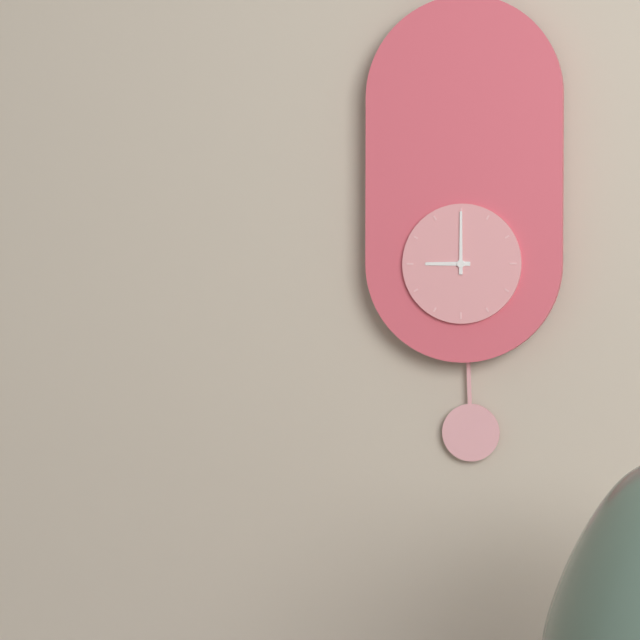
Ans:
h=9 m=0
